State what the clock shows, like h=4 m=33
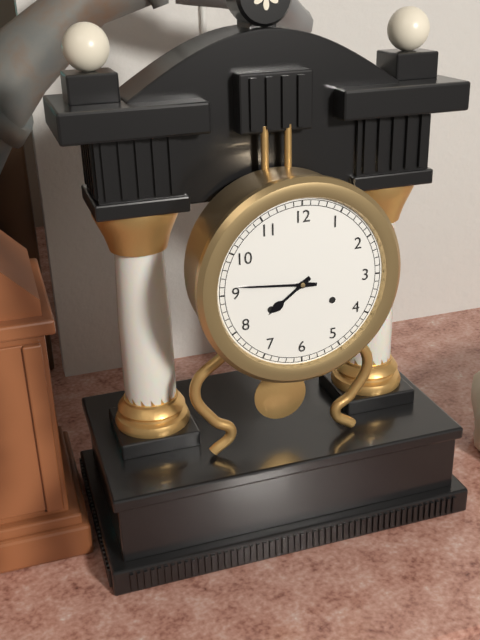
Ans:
h=7 m=46
